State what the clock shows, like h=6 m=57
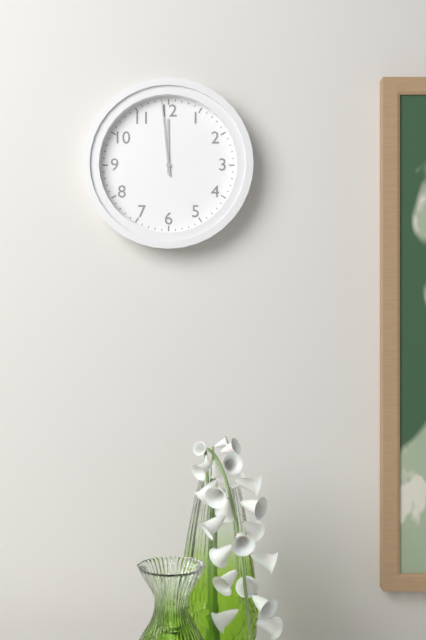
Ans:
h=11 m=59
